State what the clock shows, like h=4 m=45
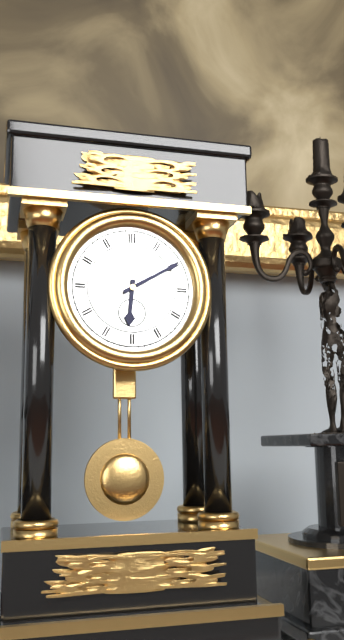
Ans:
h=6 m=10
